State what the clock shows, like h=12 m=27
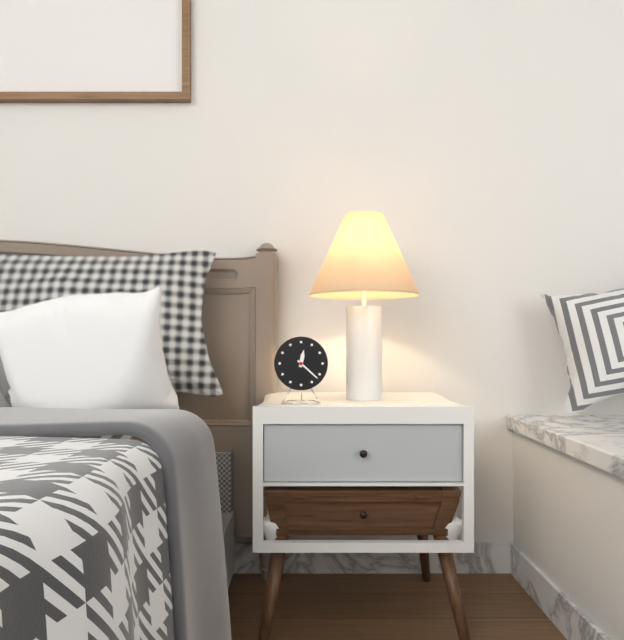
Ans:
h=12 m=22
